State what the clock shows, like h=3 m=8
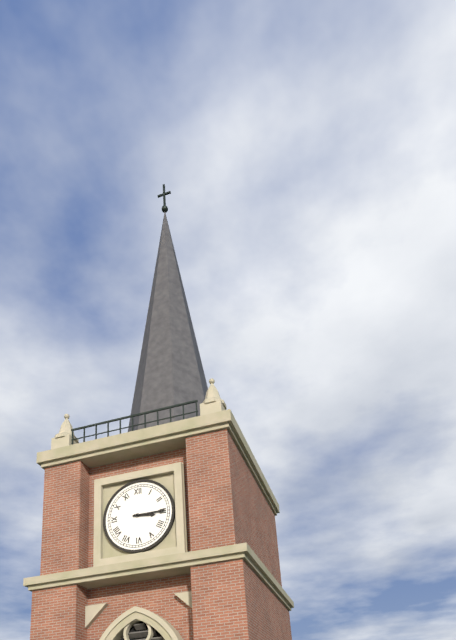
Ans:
h=3 m=15
